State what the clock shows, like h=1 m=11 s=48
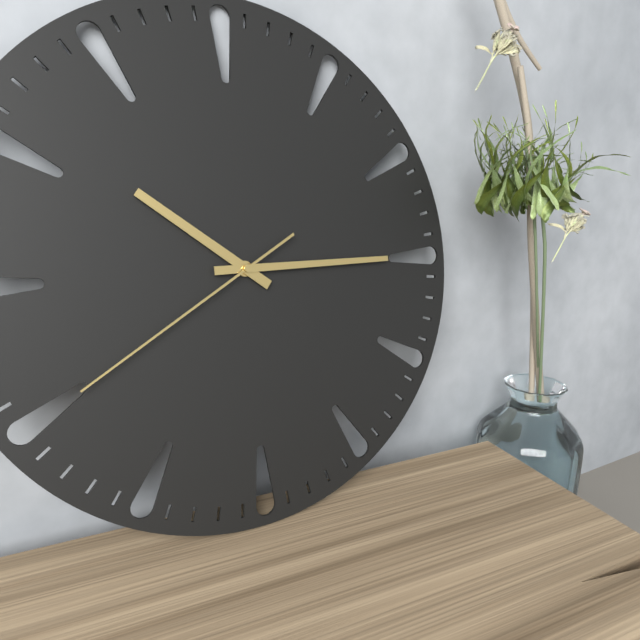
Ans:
h=10 m=15 s=40
